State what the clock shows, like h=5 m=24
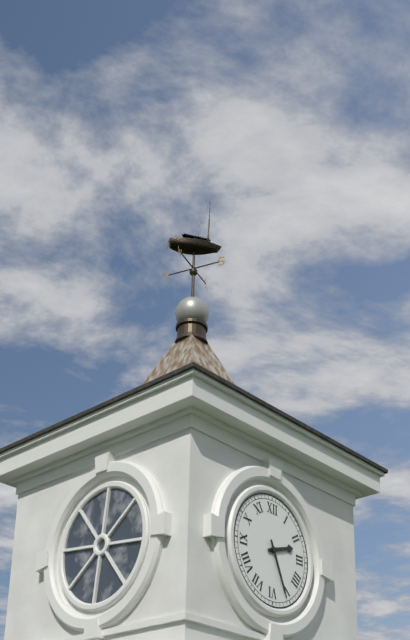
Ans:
h=2 m=26
